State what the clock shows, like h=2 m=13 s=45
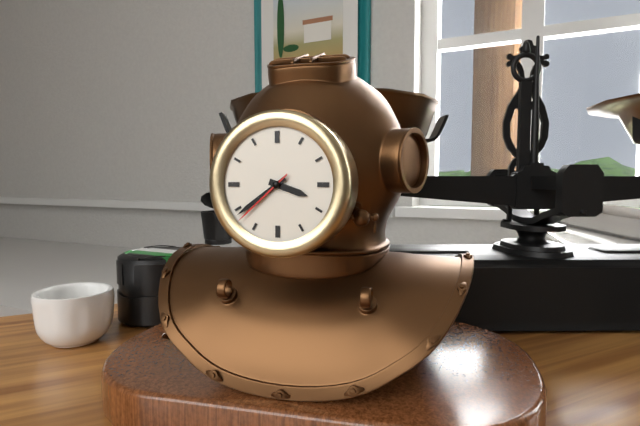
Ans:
h=3 m=39 s=38
